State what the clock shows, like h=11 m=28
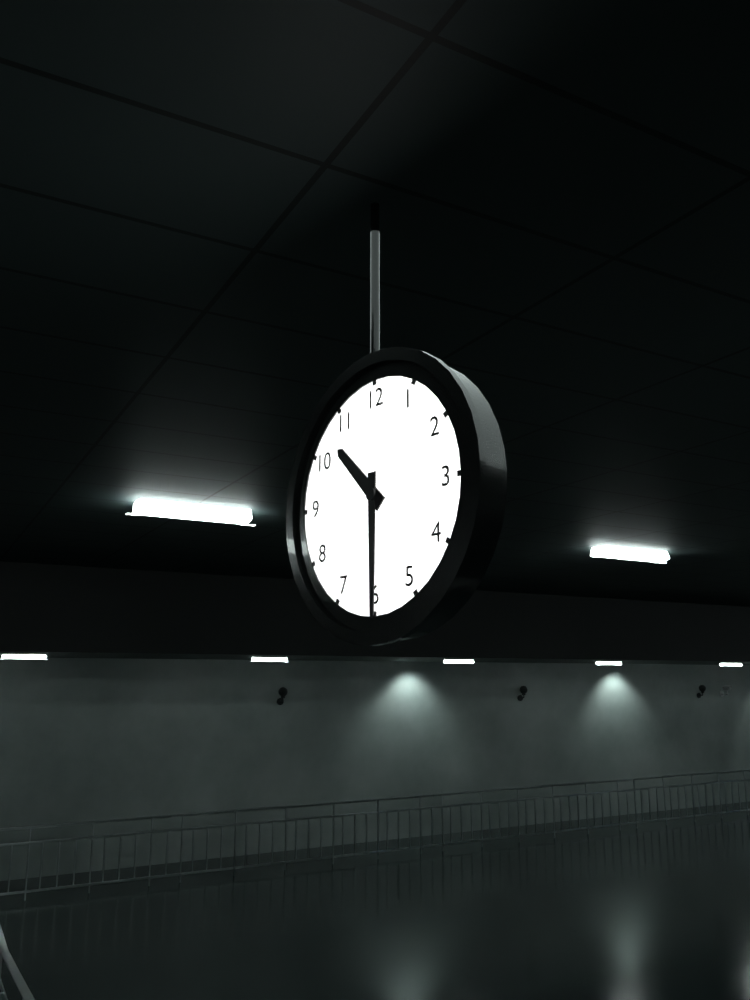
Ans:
h=10 m=30
